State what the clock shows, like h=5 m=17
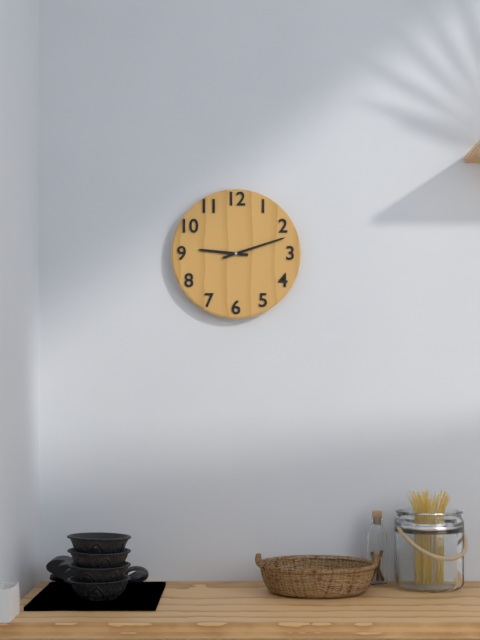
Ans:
h=9 m=12
